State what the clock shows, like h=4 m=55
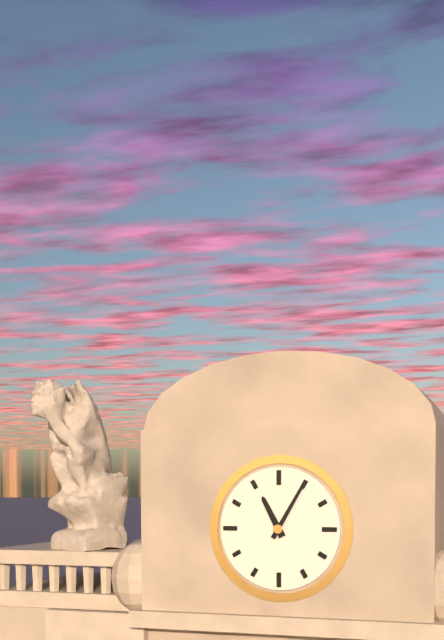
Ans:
h=11 m=5
